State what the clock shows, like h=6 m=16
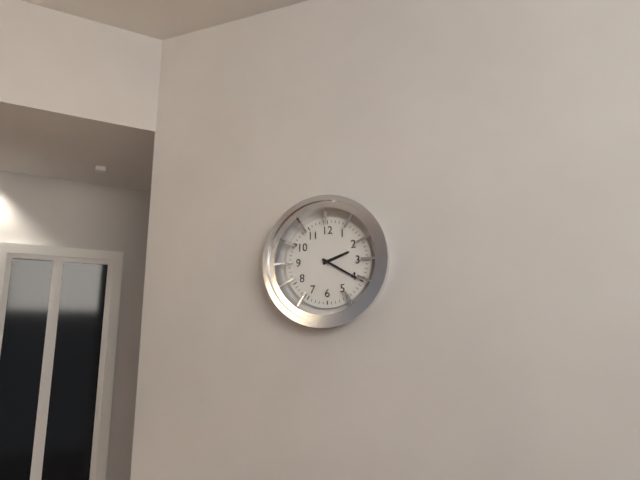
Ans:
h=2 m=20
